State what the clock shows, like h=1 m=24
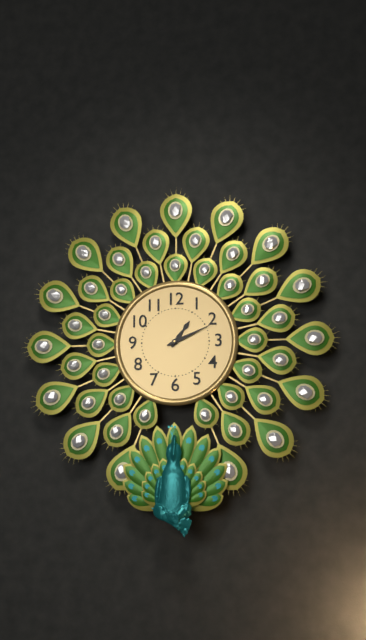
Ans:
h=1 m=11
